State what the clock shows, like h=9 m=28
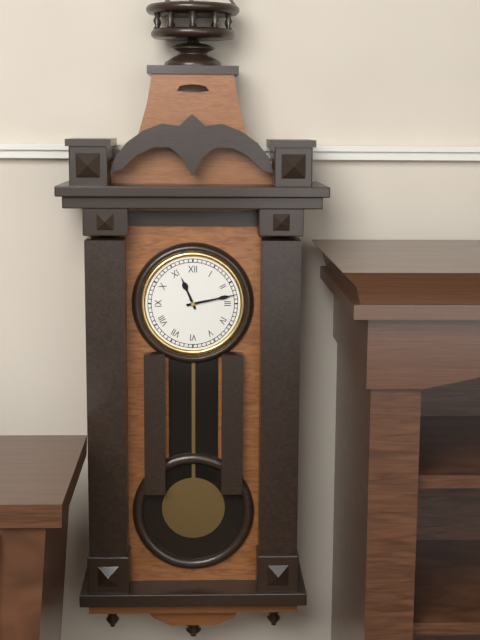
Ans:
h=11 m=13
